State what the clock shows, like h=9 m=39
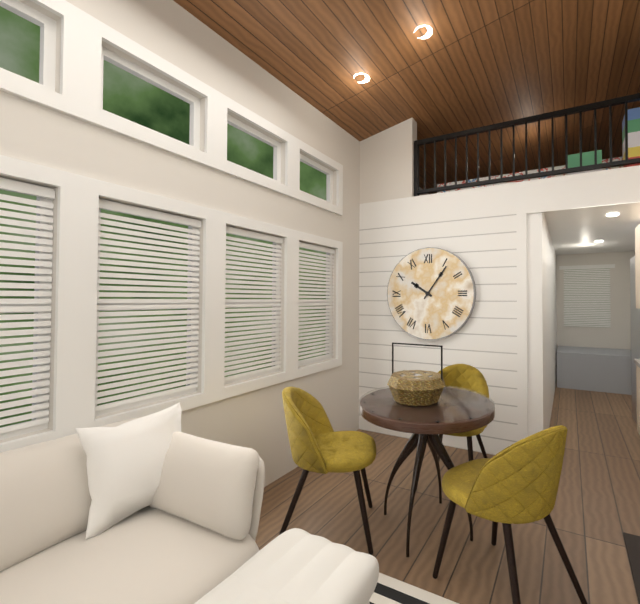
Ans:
h=10 m=6
